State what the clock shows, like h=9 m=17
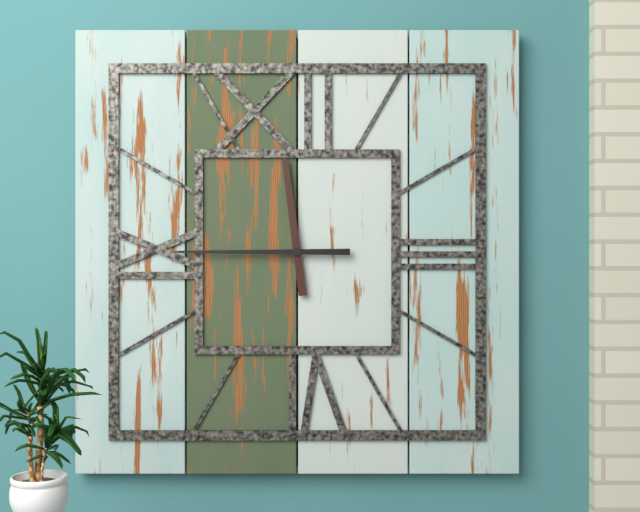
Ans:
h=11 m=45
